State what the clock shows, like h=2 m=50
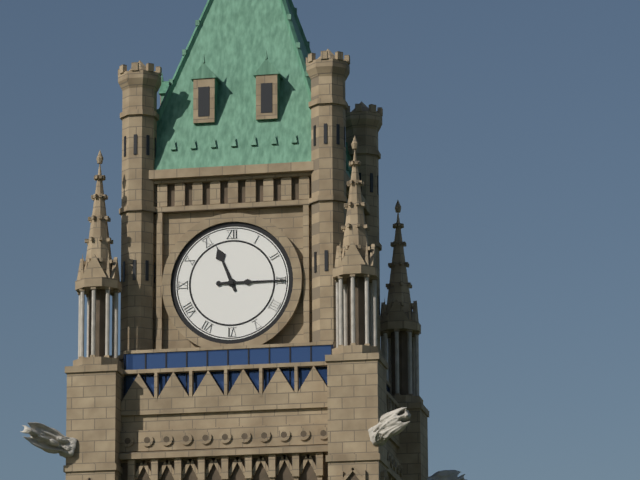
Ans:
h=11 m=15
